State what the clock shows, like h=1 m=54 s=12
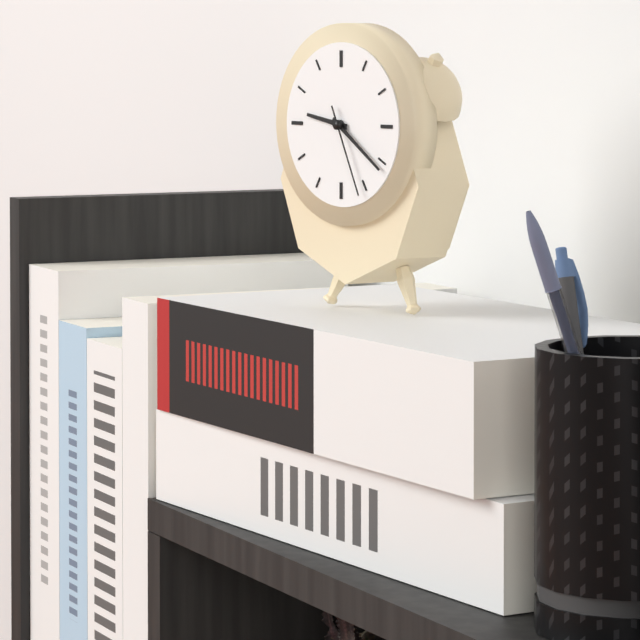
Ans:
h=9 m=21 s=26
